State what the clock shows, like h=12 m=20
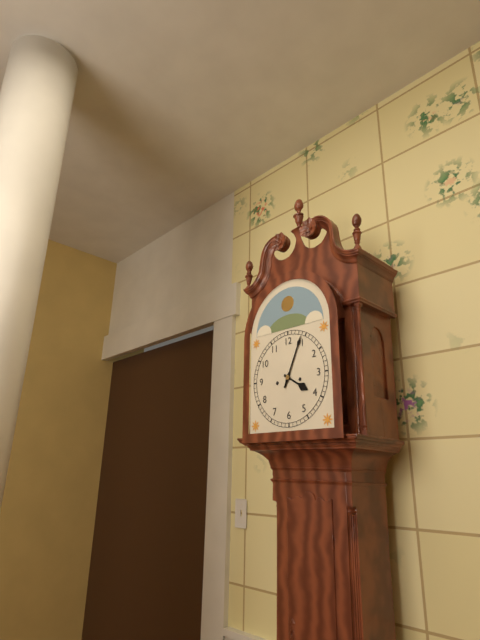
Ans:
h=4 m=4
